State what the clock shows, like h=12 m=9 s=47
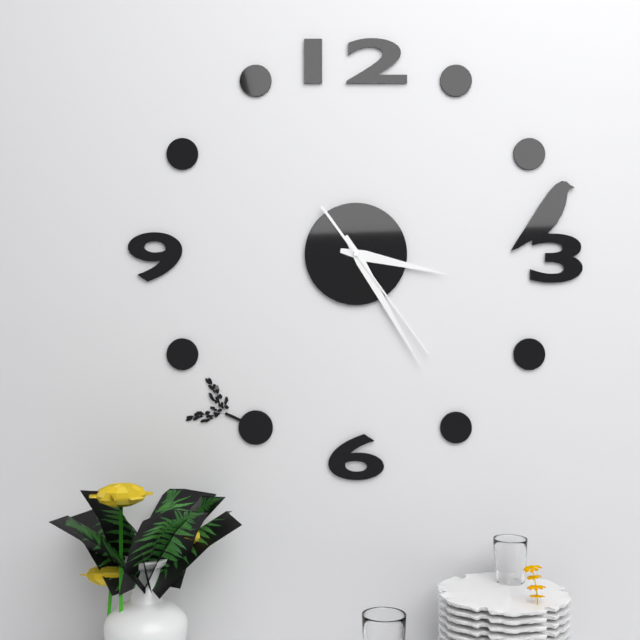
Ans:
h=3 m=25 s=24
